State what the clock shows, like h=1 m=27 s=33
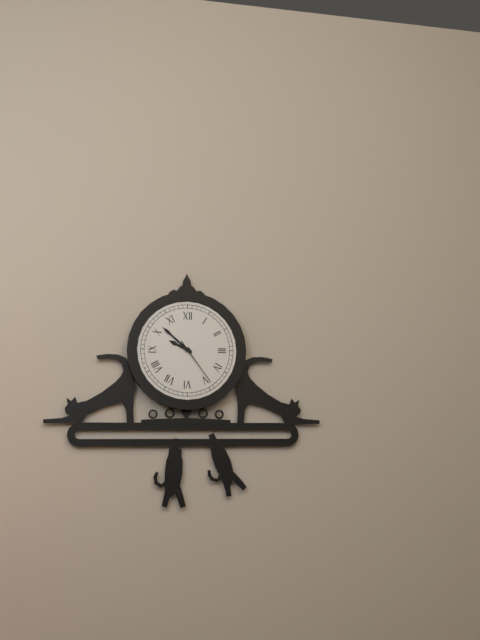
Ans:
h=9 m=52 s=24
